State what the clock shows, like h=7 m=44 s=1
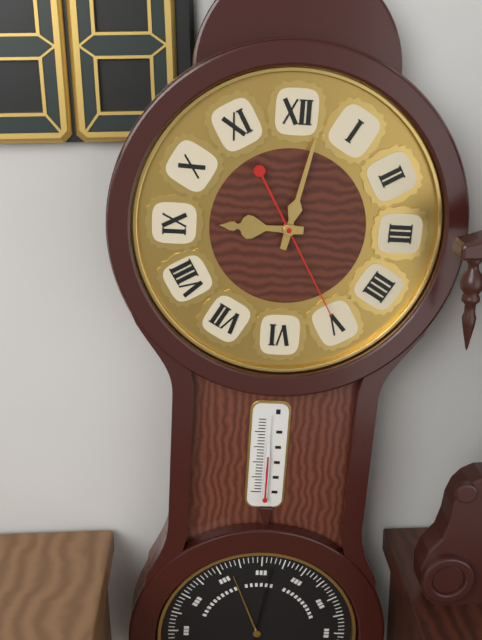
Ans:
h=9 m=2 s=25
